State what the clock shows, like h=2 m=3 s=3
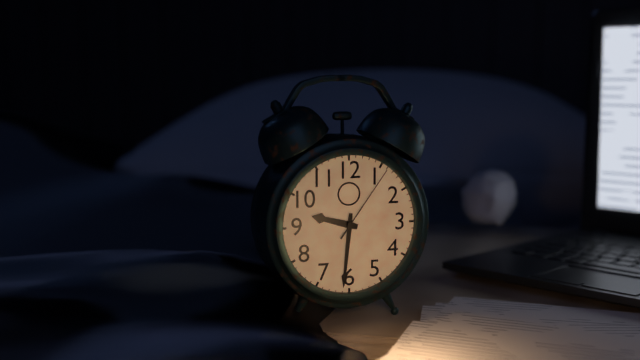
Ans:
h=9 m=31 s=6
